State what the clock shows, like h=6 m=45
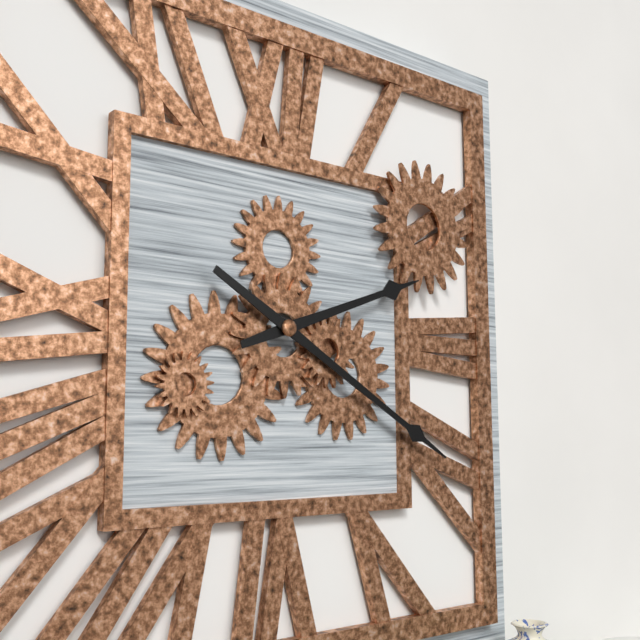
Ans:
h=2 m=20
